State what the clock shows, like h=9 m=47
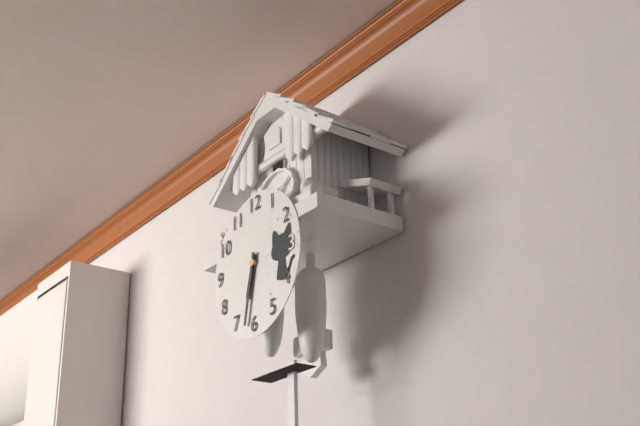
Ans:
h=6 m=32
